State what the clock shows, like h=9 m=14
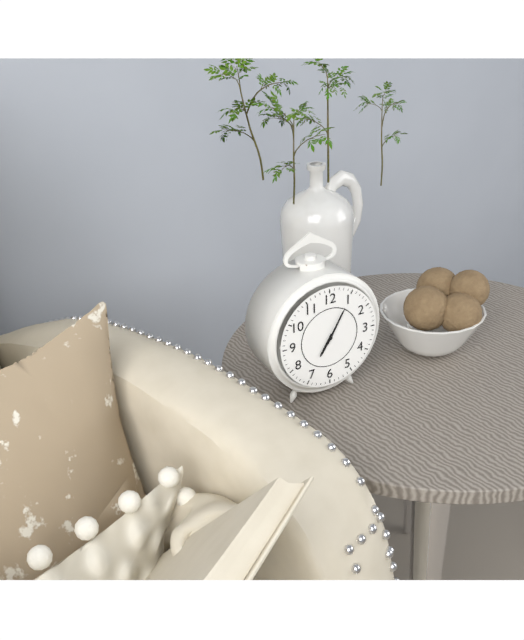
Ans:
h=7 m=5
